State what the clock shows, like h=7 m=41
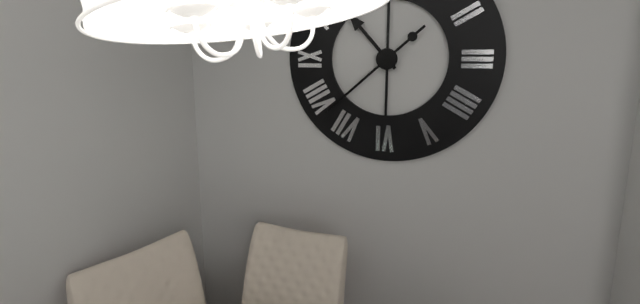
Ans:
h=10 m=38
